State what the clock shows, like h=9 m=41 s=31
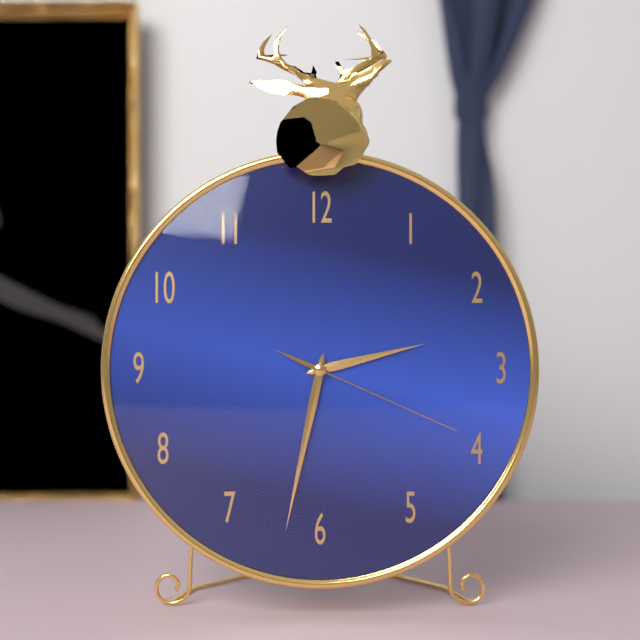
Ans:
h=2 m=32 s=19
